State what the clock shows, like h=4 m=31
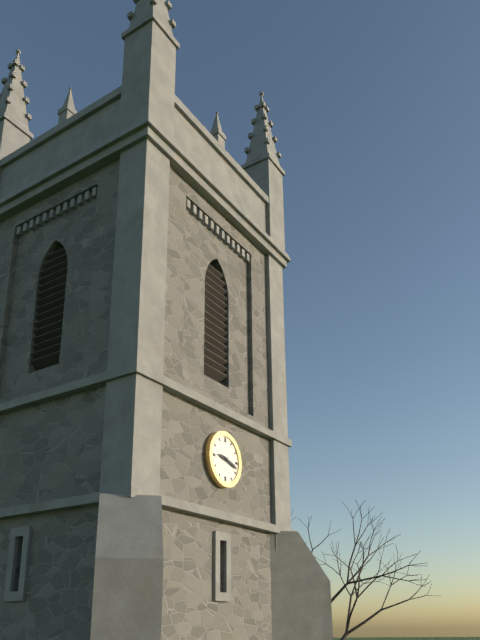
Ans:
h=9 m=18
